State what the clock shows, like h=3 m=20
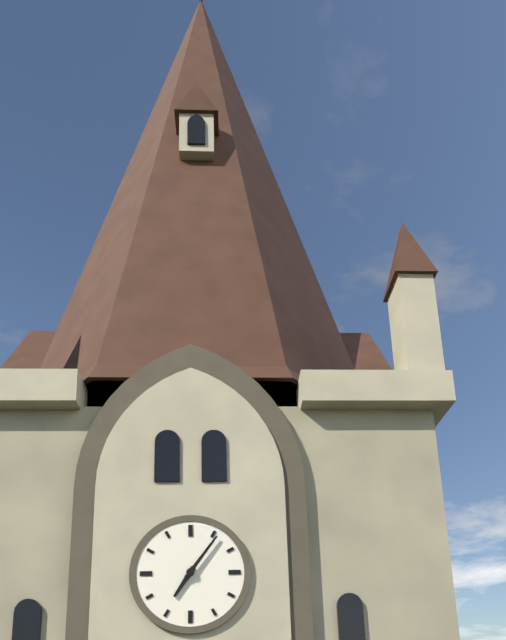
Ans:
h=7 m=6
